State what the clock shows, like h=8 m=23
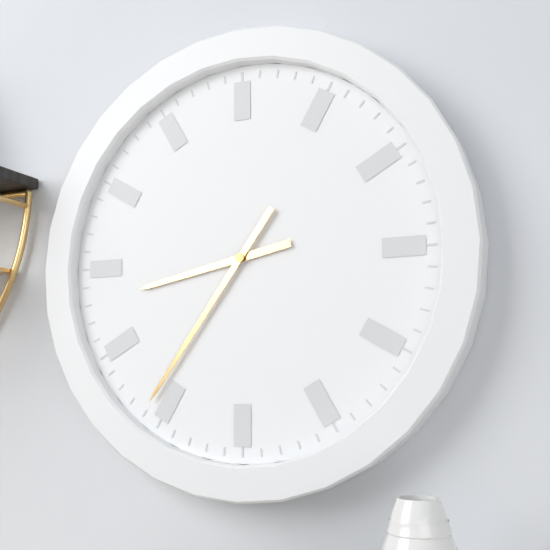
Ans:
h=8 m=36
